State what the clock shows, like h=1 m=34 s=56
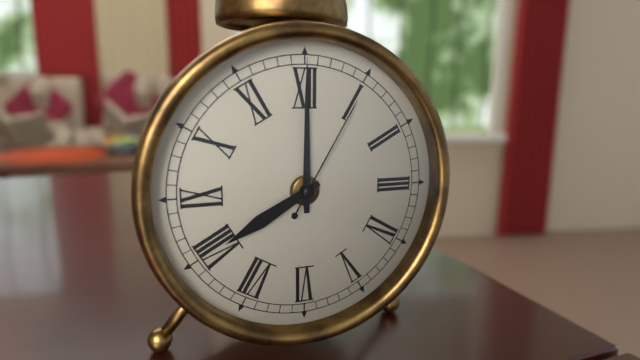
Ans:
h=8 m=0 s=5
